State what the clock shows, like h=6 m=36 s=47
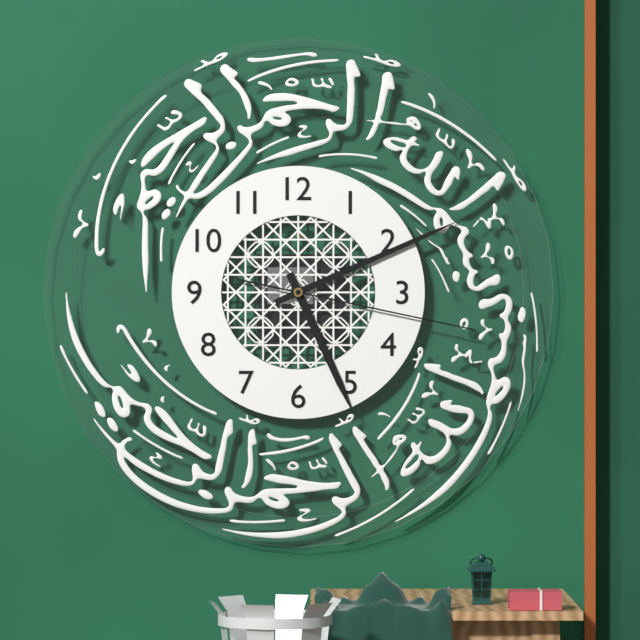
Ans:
h=5 m=11 s=17
